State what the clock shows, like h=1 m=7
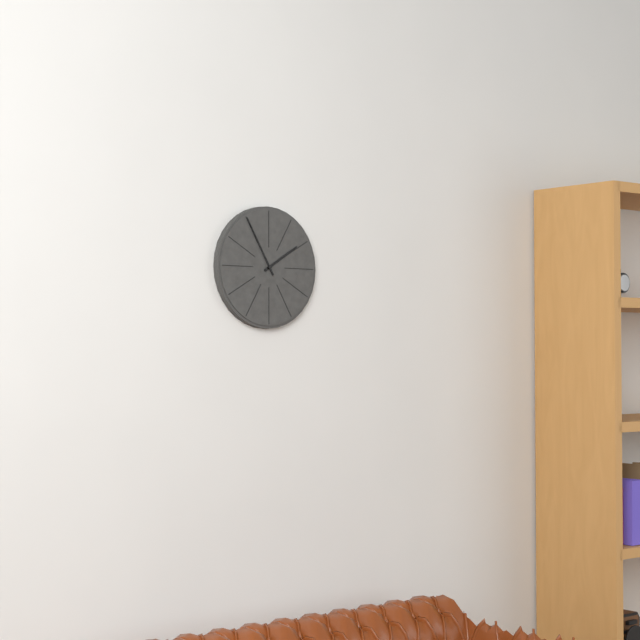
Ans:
h=1 m=55
